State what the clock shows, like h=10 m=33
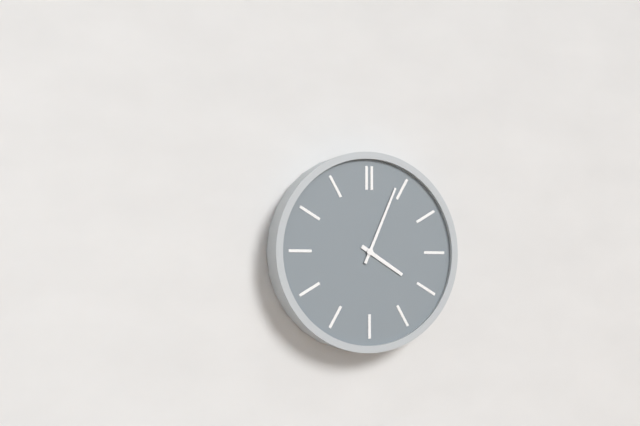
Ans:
h=4 m=4
